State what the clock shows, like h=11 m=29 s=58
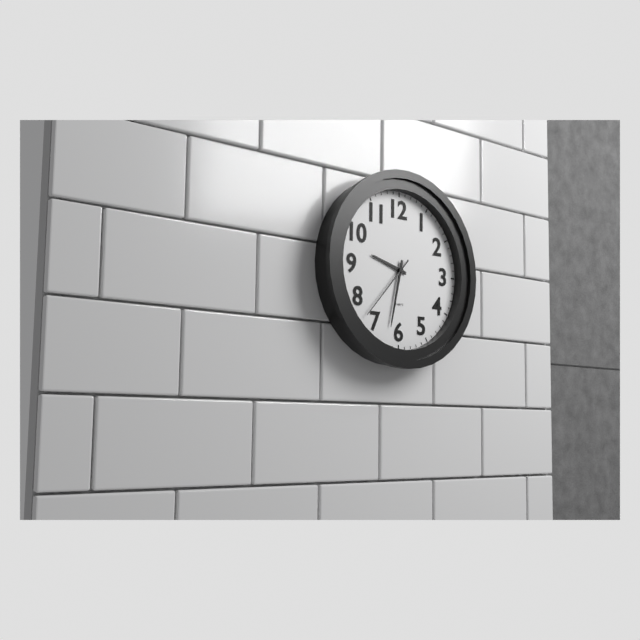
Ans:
h=9 m=32 s=37
